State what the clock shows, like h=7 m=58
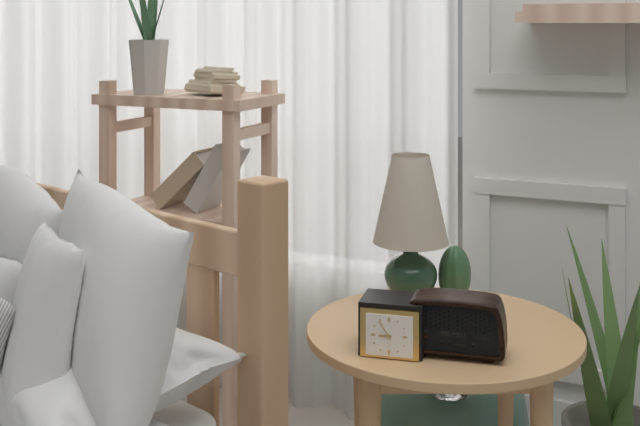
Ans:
h=8 m=54
